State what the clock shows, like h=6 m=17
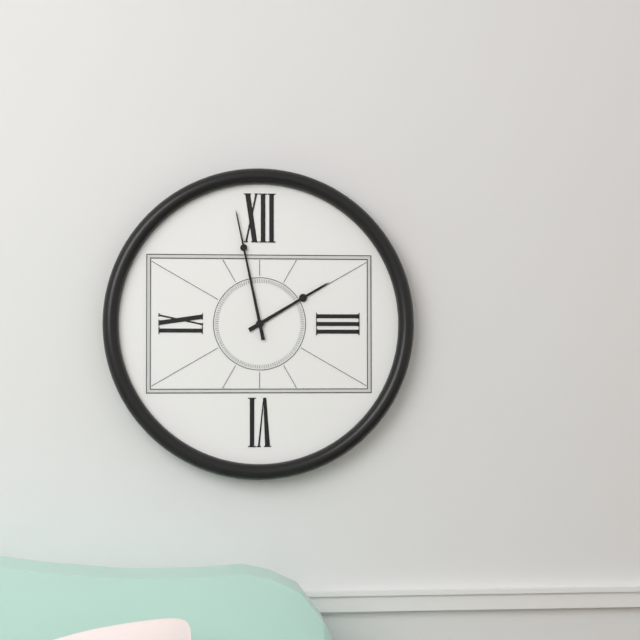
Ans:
h=1 m=58
